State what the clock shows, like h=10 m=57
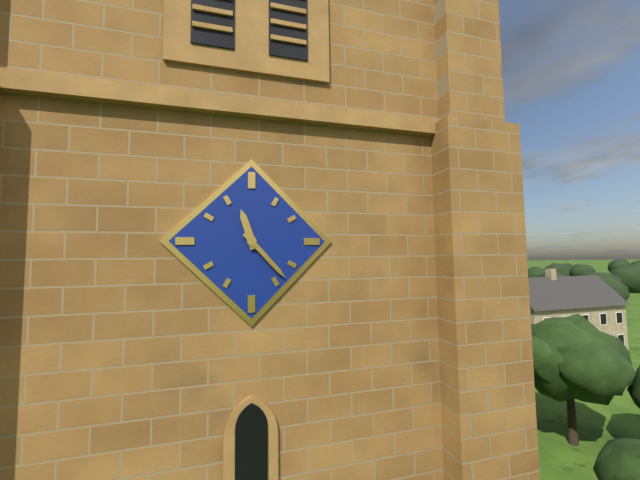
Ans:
h=11 m=23
